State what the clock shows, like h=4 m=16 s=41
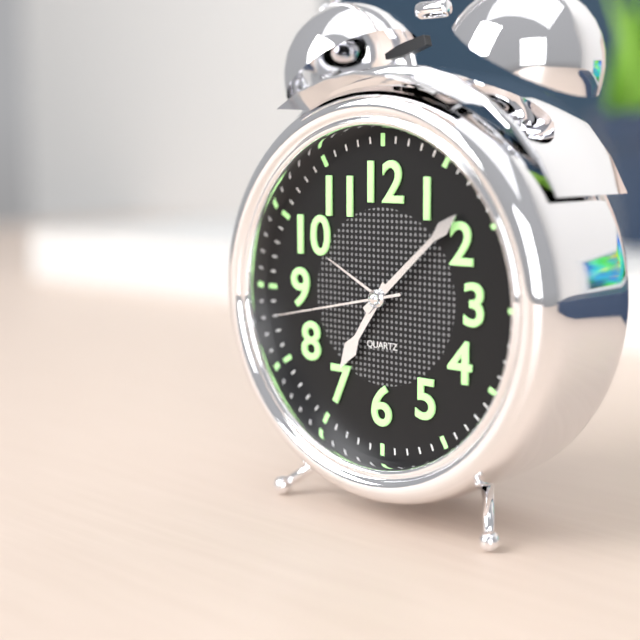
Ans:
h=7 m=8 s=43
